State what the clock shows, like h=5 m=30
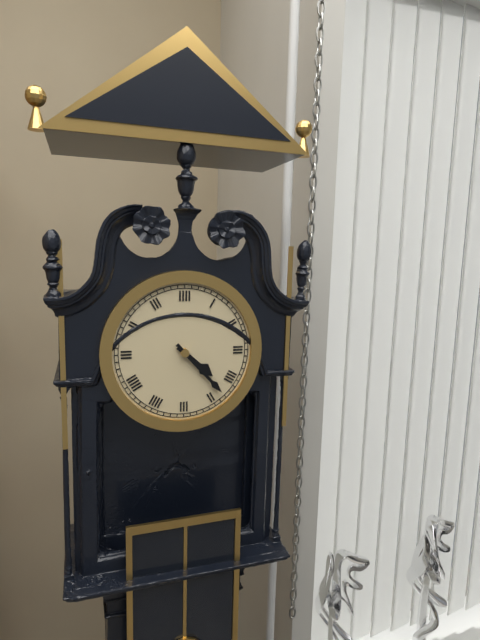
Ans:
h=4 m=23
